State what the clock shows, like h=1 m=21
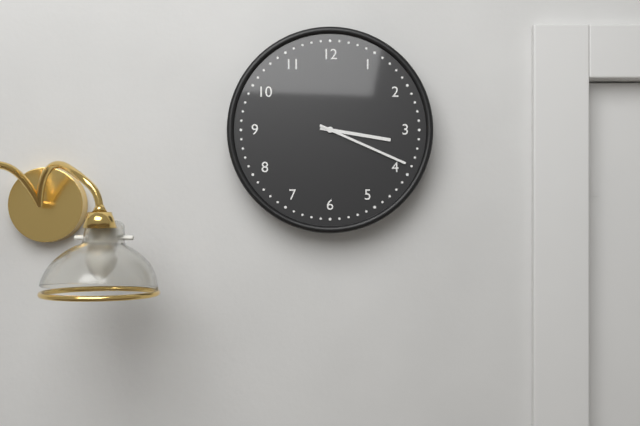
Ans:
h=3 m=19
